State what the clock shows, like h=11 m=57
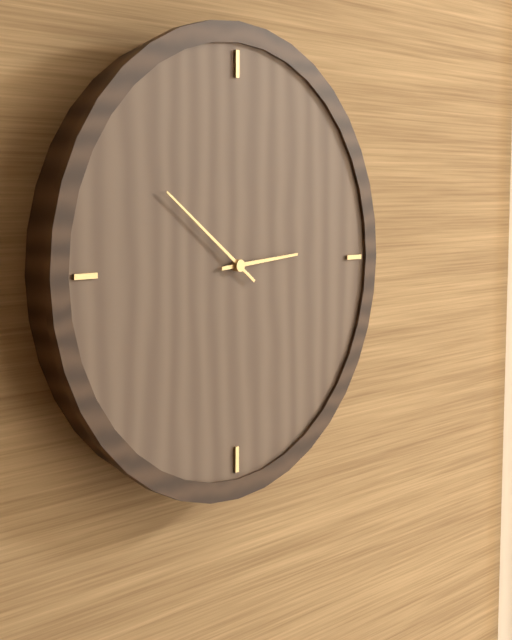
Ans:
h=2 m=51
